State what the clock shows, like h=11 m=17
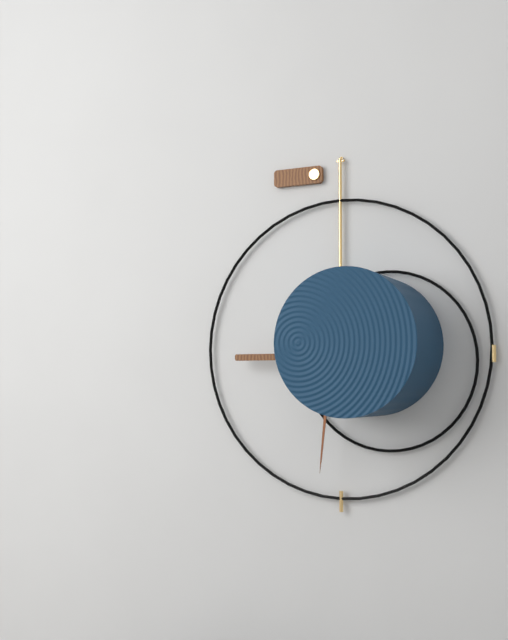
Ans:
h=1 m=31
